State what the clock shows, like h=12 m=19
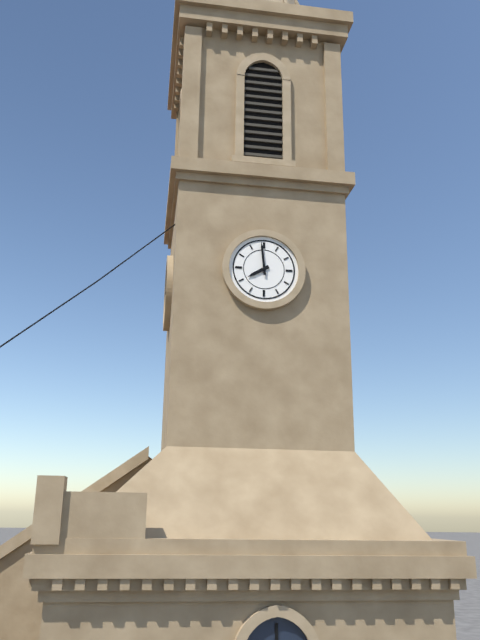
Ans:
h=7 m=59
